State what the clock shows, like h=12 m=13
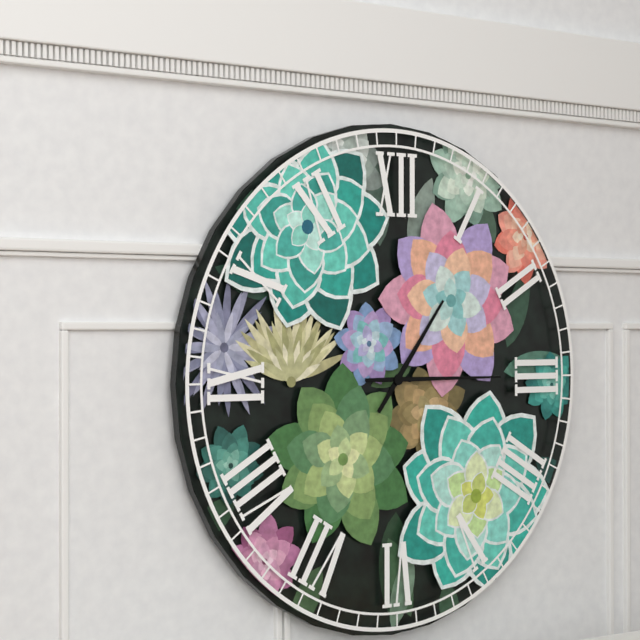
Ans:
h=1 m=15
